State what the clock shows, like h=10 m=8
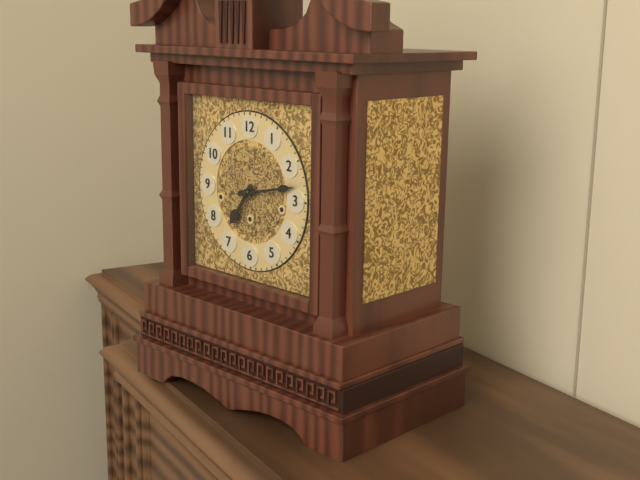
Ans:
h=7 m=13
